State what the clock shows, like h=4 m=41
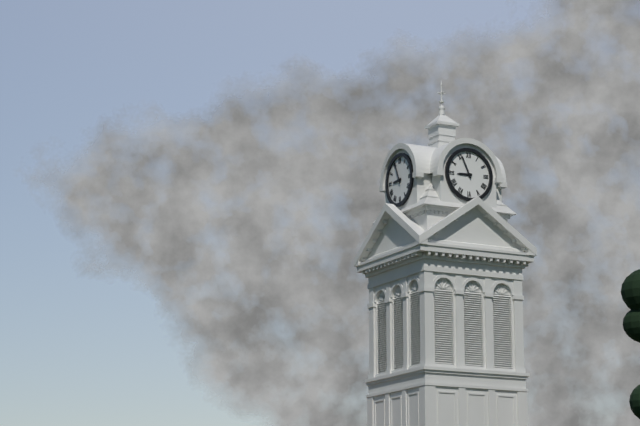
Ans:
h=8 m=56
